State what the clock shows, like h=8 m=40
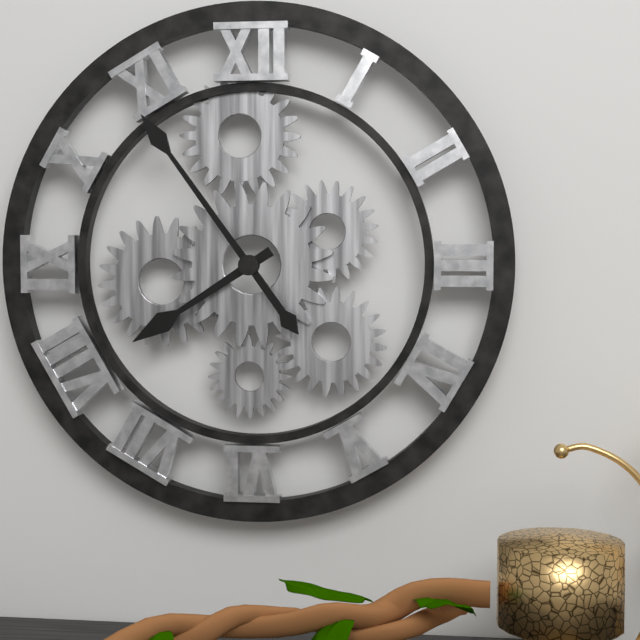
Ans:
h=7 m=54
